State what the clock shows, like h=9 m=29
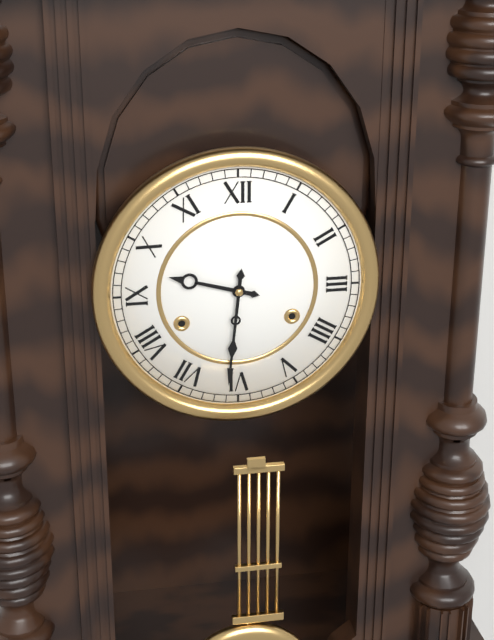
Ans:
h=9 m=31
